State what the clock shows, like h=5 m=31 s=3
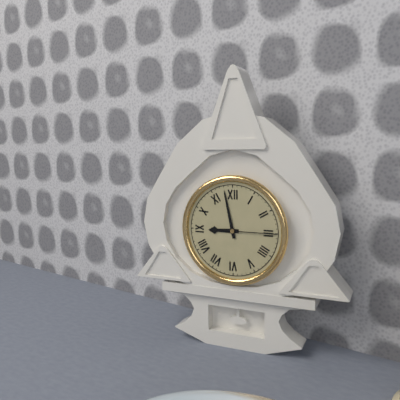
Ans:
h=8 m=58 s=15
